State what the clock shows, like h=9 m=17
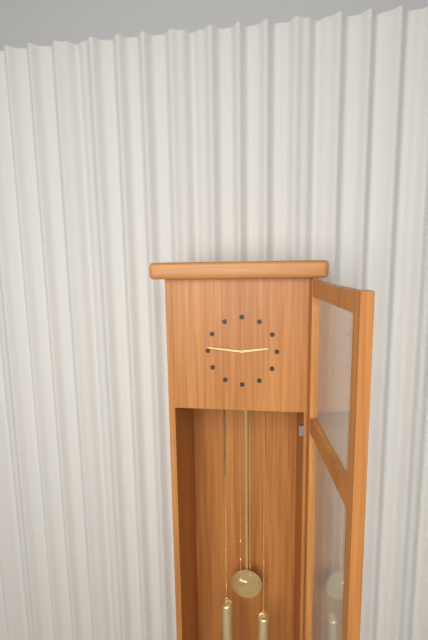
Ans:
h=2 m=46
